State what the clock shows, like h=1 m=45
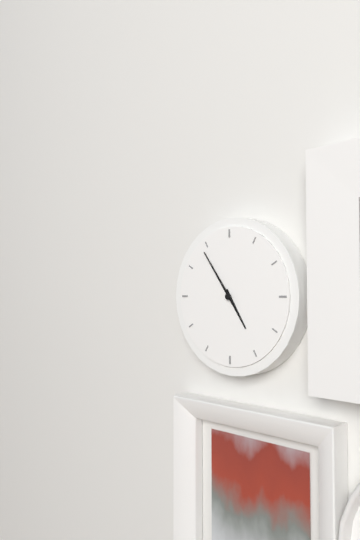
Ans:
h=4 m=54
